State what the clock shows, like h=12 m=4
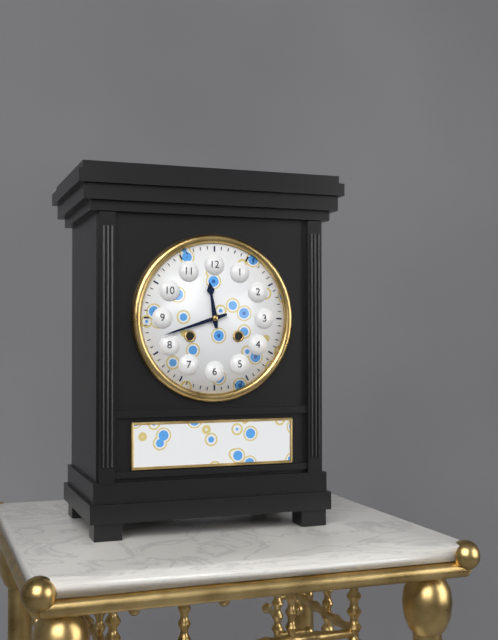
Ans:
h=11 m=42
